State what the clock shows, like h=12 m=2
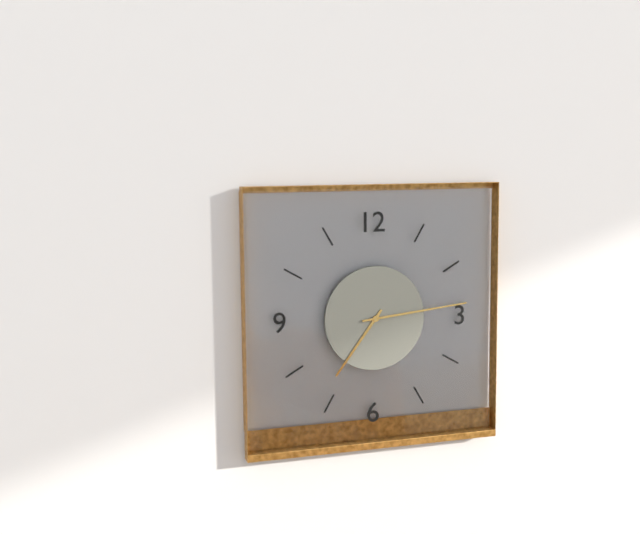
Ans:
h=7 m=14
